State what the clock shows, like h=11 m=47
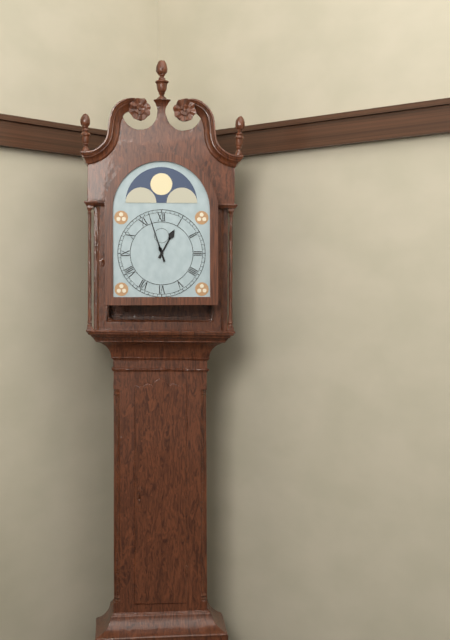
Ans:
h=12 m=57
